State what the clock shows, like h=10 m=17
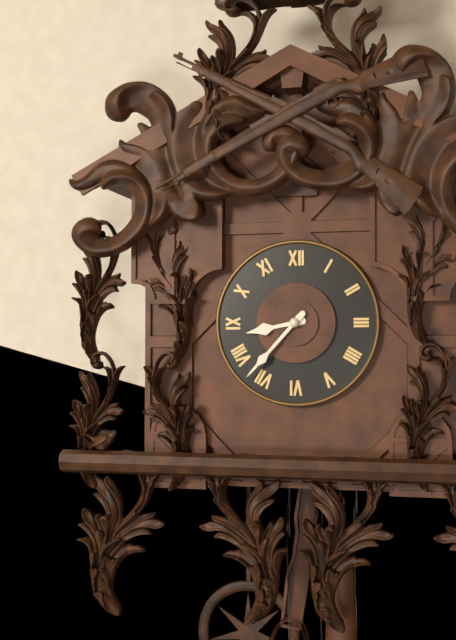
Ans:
h=8 m=37
